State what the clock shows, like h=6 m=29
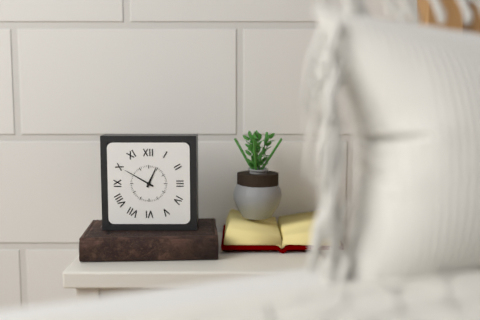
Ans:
h=12 m=50
